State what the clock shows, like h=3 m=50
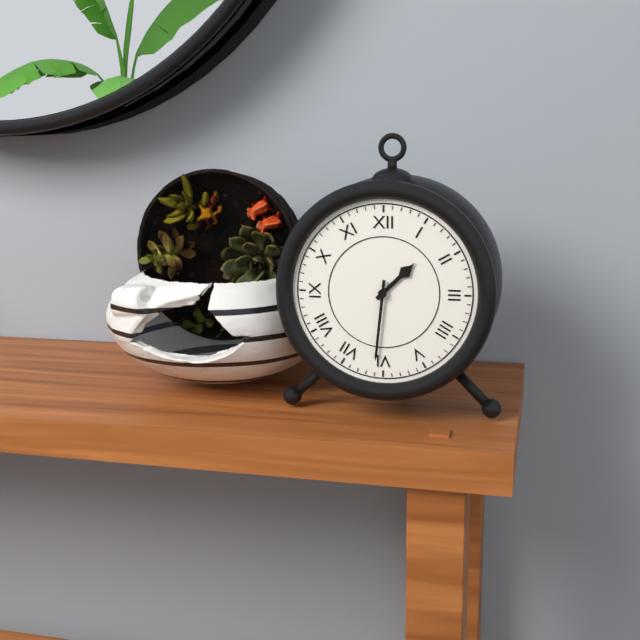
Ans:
h=1 m=31
